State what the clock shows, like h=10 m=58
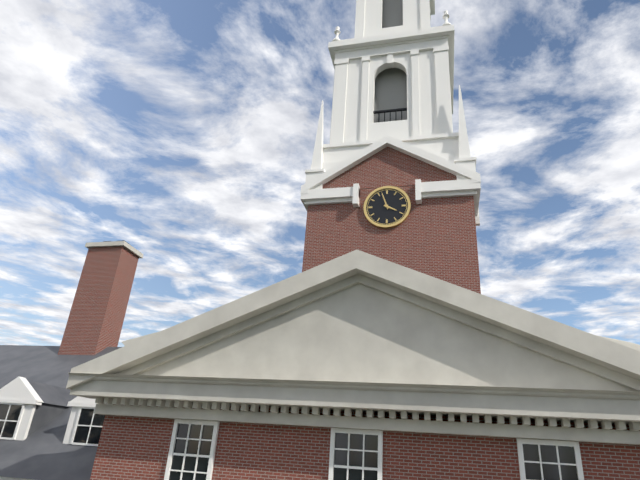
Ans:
h=3 m=57
